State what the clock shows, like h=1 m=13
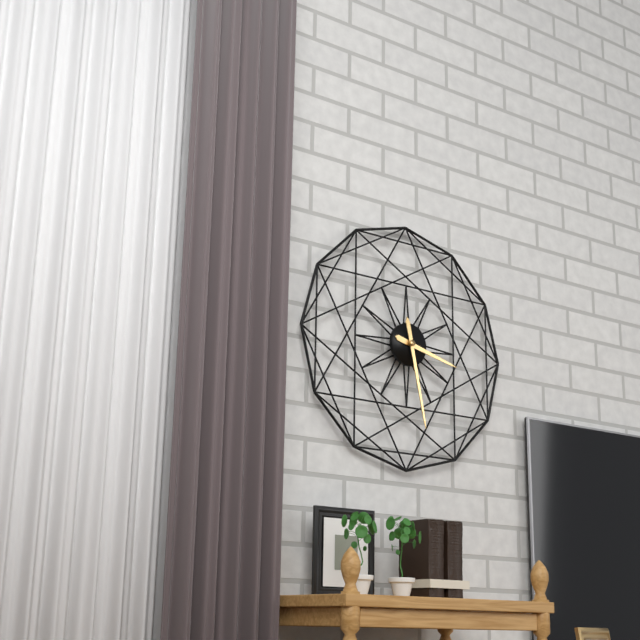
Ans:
h=3 m=28
